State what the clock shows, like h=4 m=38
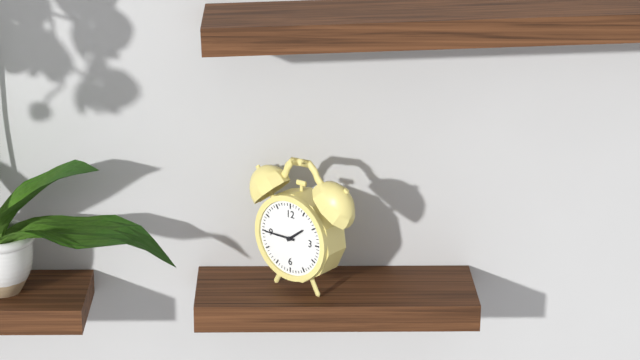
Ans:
h=1 m=45
